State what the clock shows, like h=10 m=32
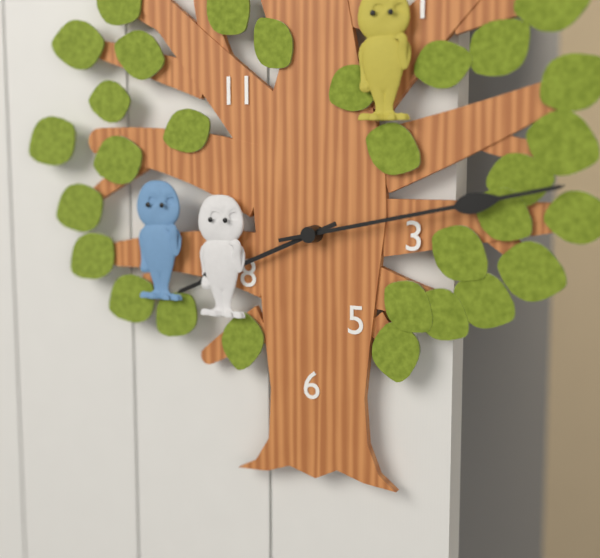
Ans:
h=8 m=13
